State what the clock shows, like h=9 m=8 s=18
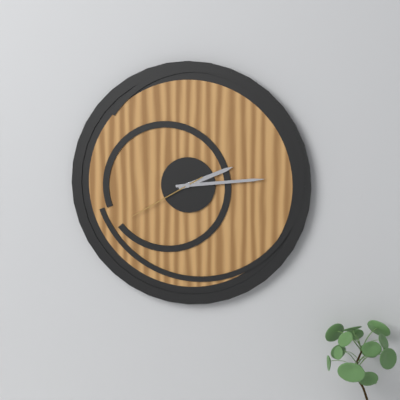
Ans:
h=2 m=14 s=40
